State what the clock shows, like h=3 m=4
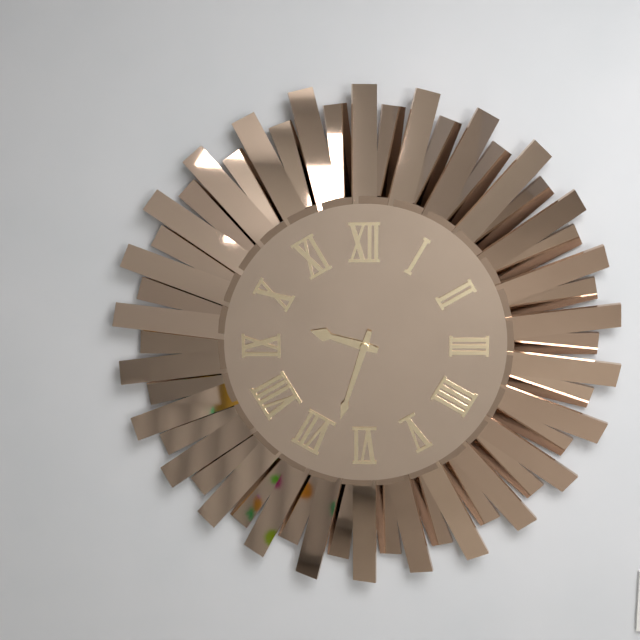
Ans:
h=9 m=33
